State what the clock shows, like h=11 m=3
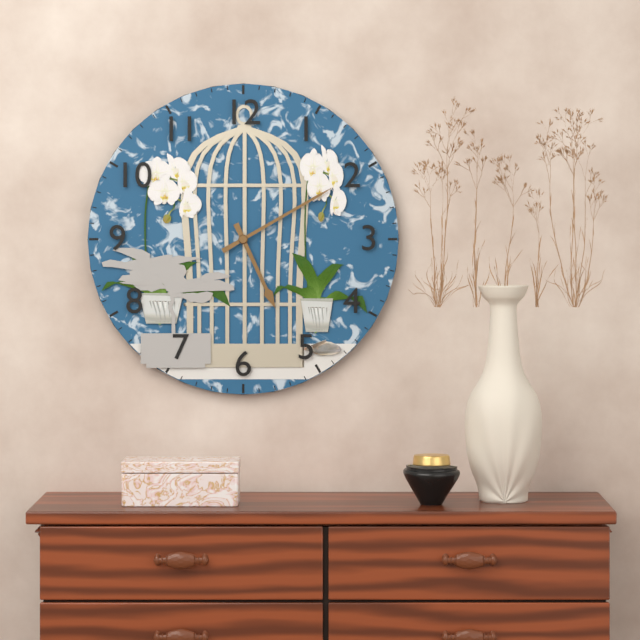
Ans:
h=5 m=10
